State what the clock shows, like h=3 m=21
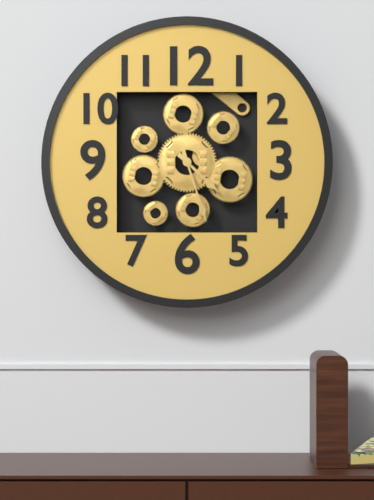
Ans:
h=4 m=27
